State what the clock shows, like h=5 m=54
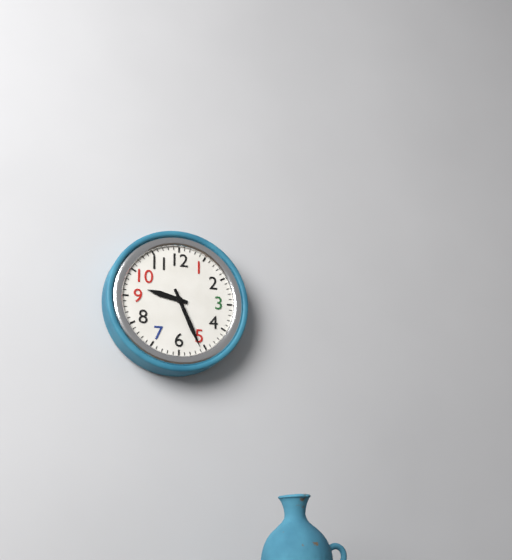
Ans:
h=9 m=26
